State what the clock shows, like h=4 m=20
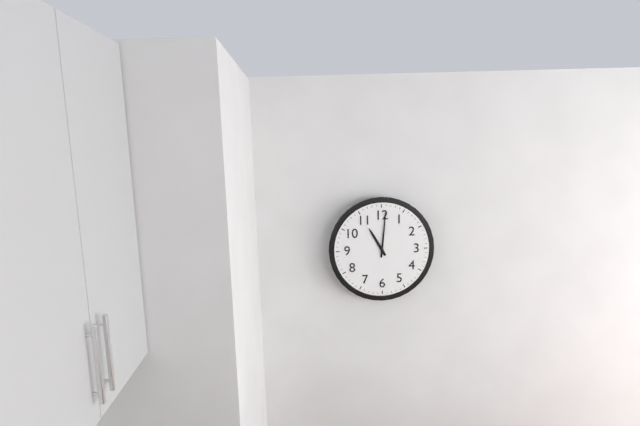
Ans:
h=11 m=1
